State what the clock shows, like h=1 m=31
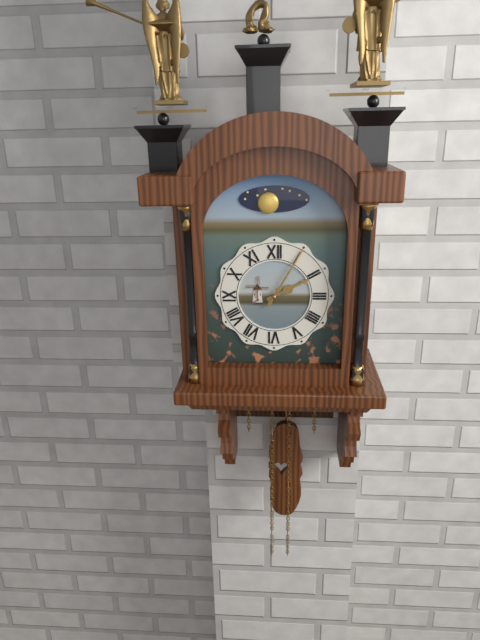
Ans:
h=2 m=5
